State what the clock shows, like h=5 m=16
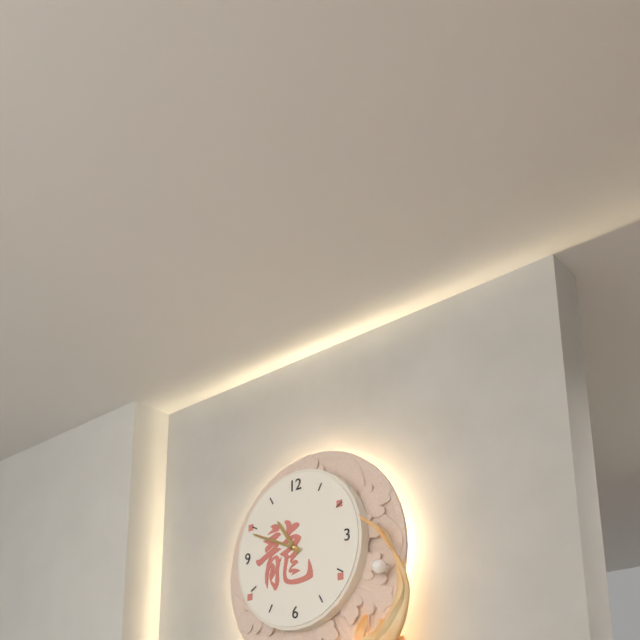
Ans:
h=10 m=49
